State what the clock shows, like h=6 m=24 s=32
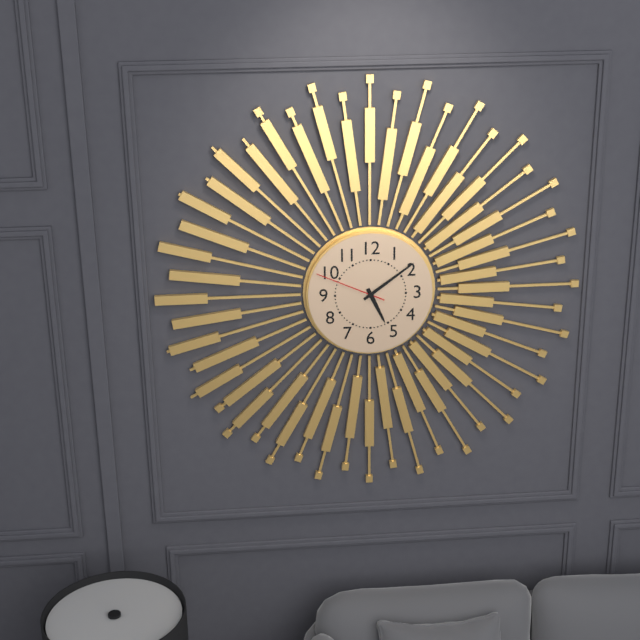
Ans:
h=5 m=9 s=49
